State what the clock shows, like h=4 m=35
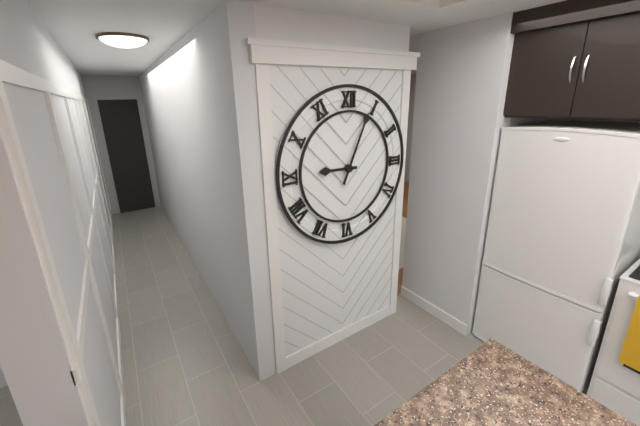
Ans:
h=9 m=4
